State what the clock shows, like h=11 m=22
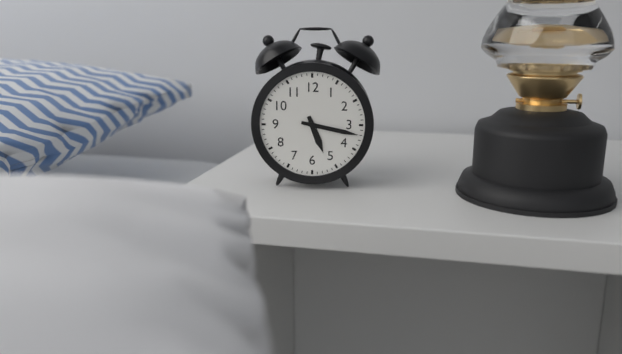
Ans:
h=5 m=17
